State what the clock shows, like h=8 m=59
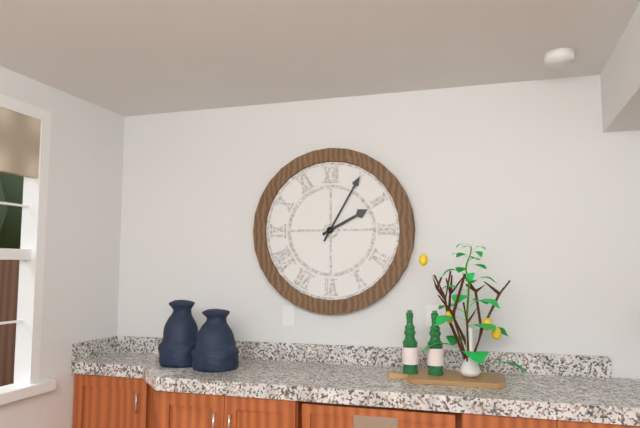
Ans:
h=2 m=5
